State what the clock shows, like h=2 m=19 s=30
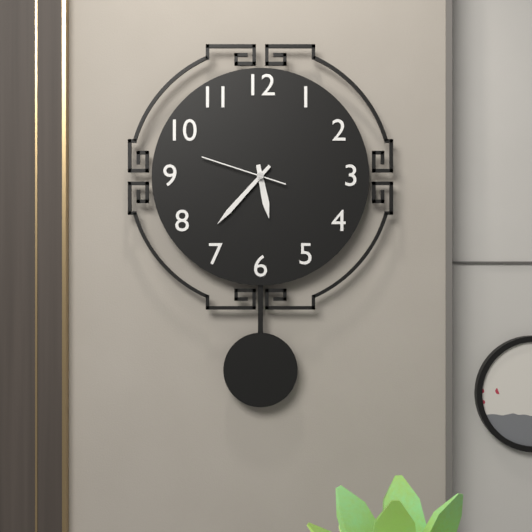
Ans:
h=5 m=37 s=48
